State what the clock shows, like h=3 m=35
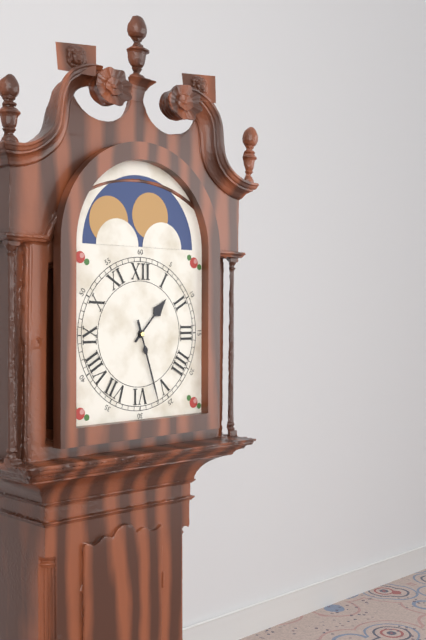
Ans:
h=1 m=27
